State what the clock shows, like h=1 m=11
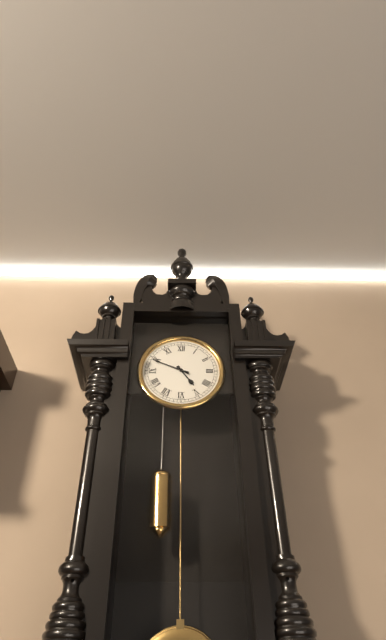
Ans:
h=4 m=49
